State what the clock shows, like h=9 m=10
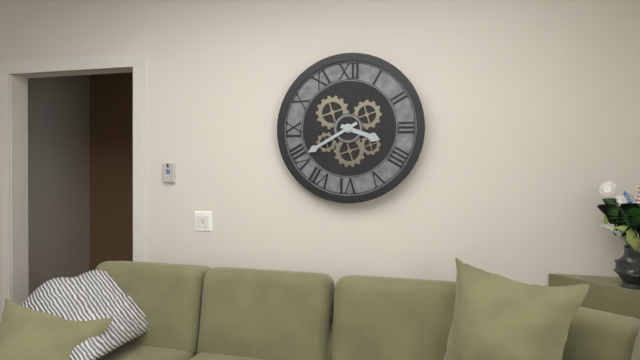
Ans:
h=3 m=40
